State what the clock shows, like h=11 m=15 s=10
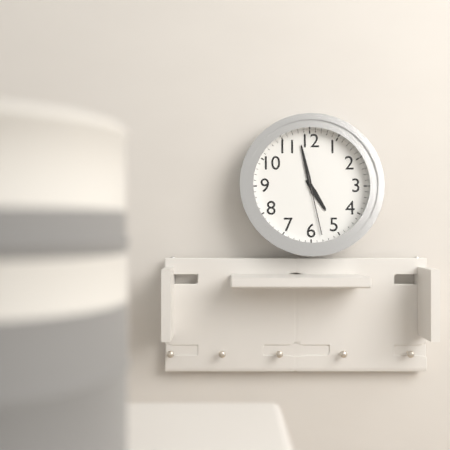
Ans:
h=4 m=58 s=28
